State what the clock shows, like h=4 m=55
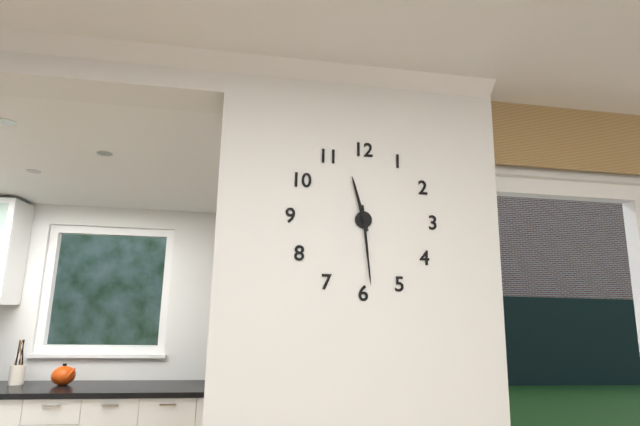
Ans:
h=11 m=29
